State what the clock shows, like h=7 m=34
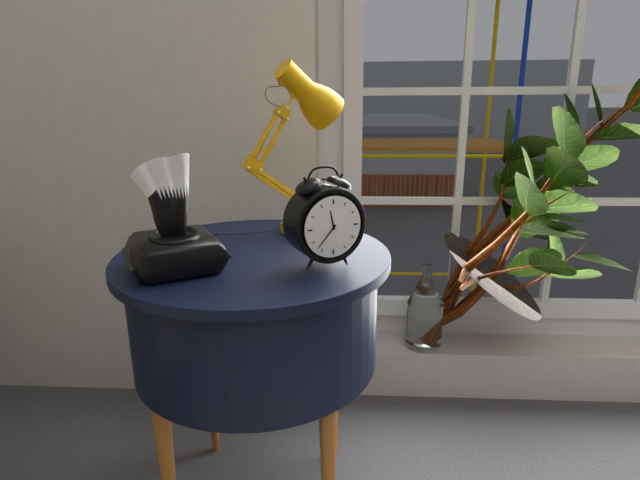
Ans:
h=11 m=37
